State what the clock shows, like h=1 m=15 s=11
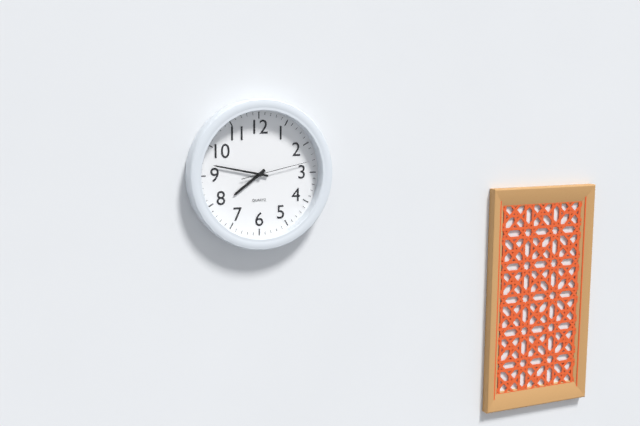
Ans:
h=7 m=47 s=13
